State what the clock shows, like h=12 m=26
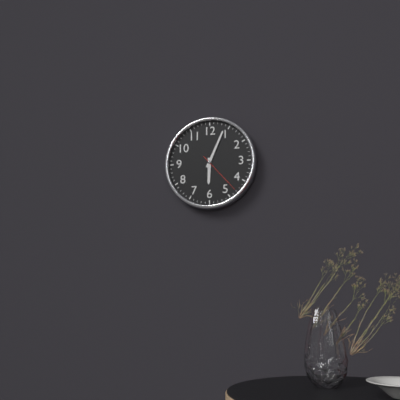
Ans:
h=6 m=4
